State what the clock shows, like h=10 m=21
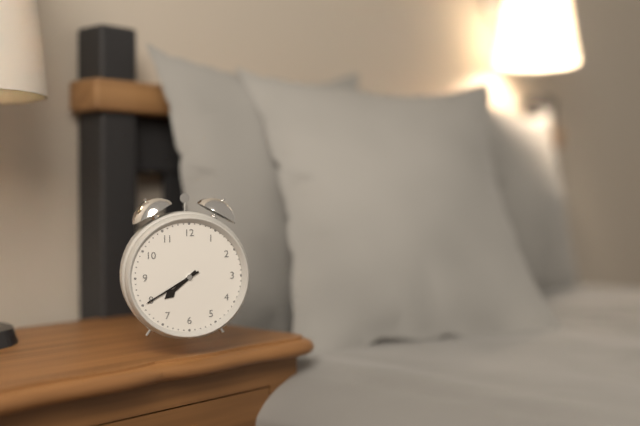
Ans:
h=7 m=40
